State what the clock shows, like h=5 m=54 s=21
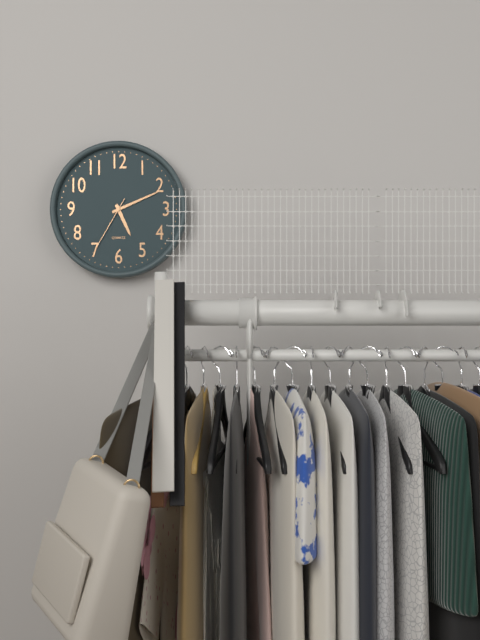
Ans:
h=5 m=11 s=35
